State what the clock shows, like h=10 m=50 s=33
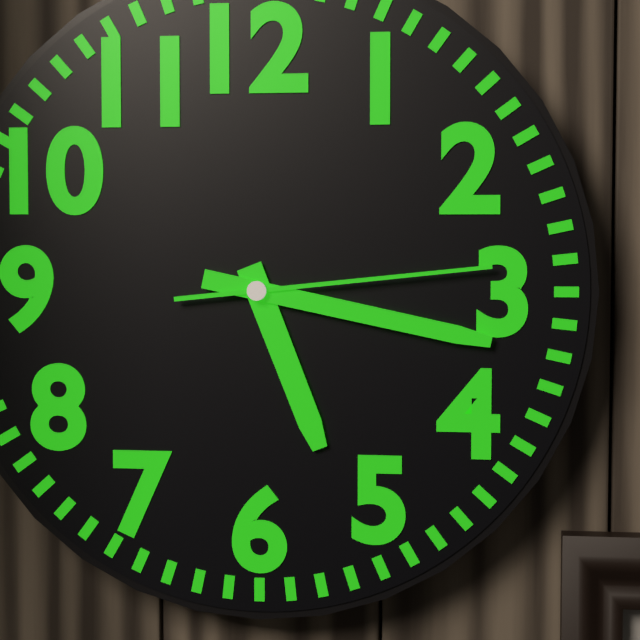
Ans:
h=5 m=17 s=14
